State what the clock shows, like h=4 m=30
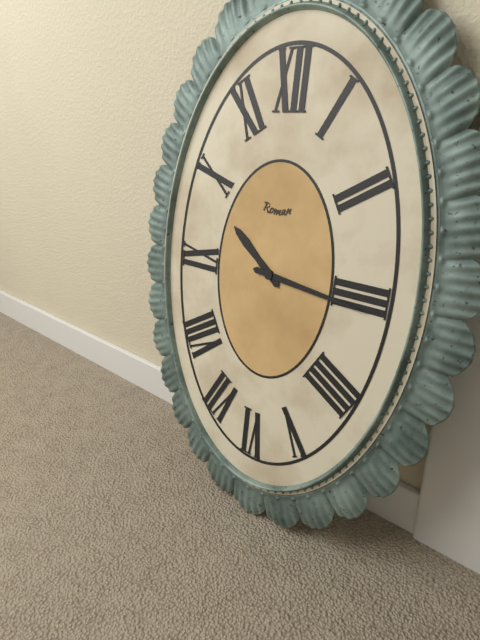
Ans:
h=10 m=16
